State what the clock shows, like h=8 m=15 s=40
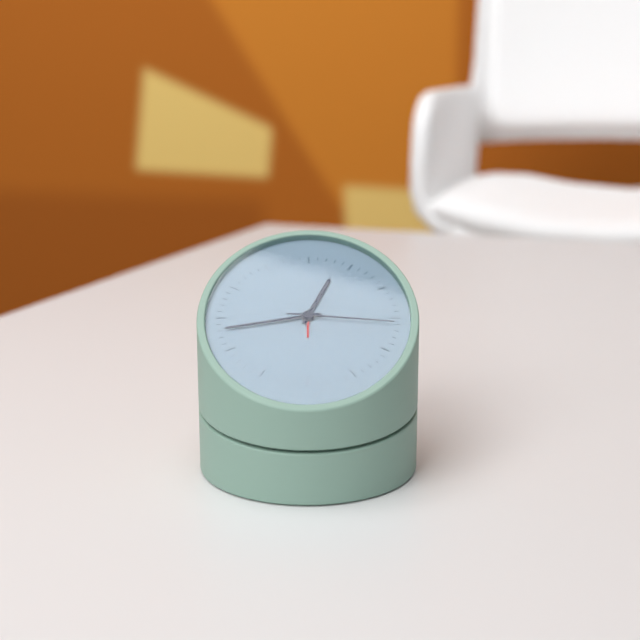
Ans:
h=12 m=43 s=16
